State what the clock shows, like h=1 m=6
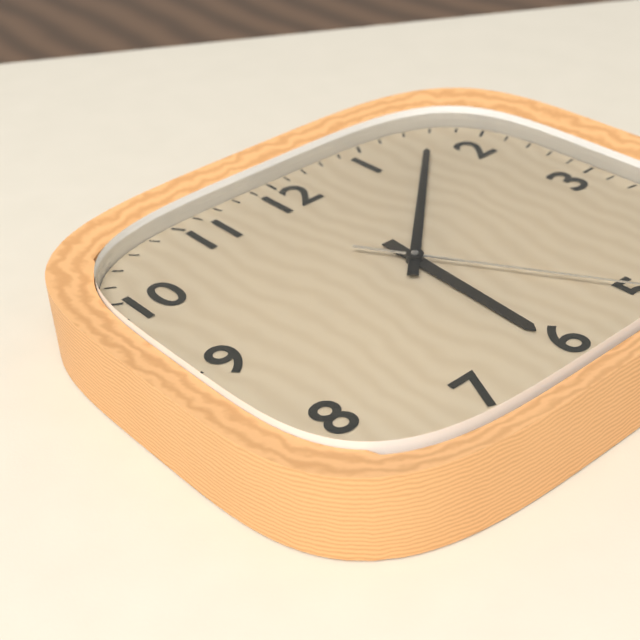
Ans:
h=6 m=8
